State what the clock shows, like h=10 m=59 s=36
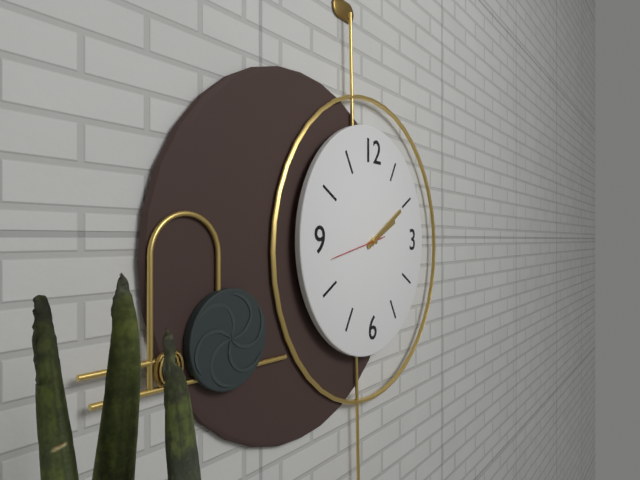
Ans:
h=2 m=10 s=43
